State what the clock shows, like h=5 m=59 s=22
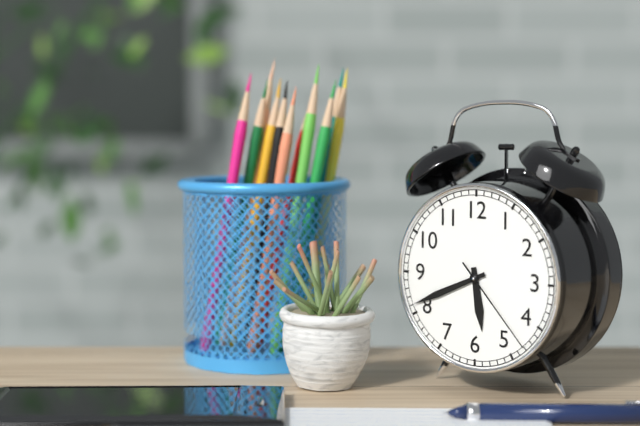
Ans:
h=5 m=41 s=23
